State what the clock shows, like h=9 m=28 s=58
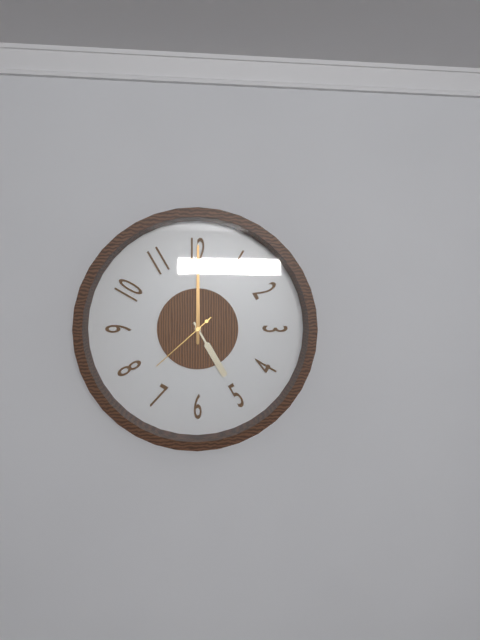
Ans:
h=5 m=0 s=38
